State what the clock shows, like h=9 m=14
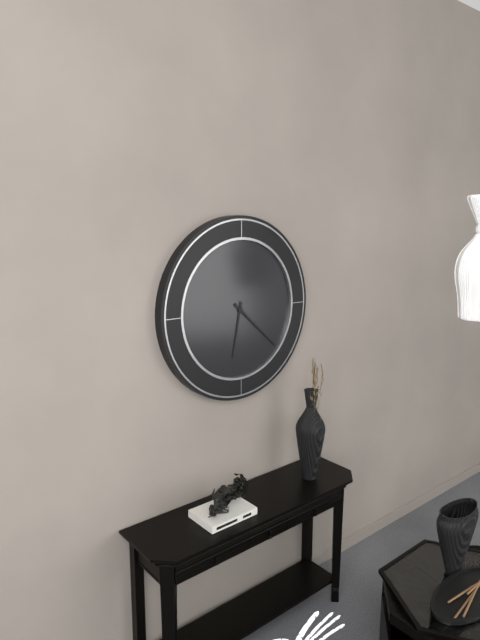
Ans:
h=6 m=22
